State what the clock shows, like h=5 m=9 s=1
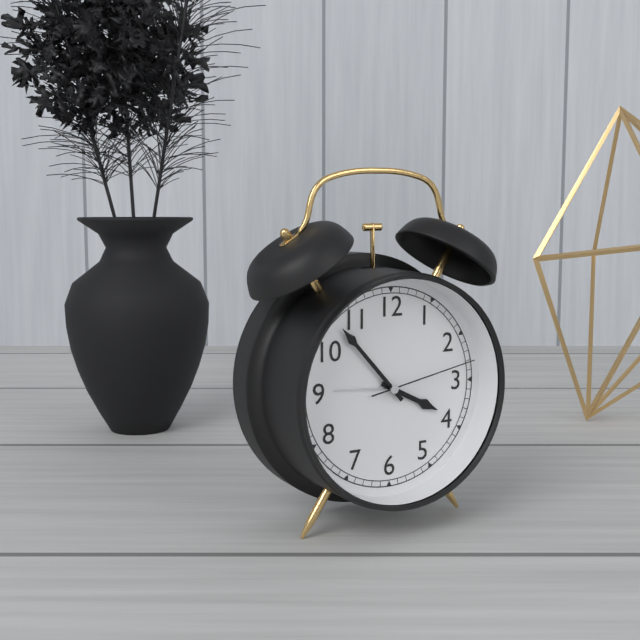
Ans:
h=3 m=53 s=13
